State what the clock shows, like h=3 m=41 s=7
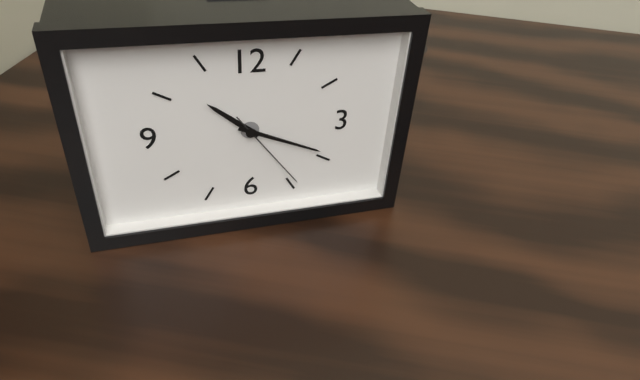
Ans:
h=10 m=19 s=24
